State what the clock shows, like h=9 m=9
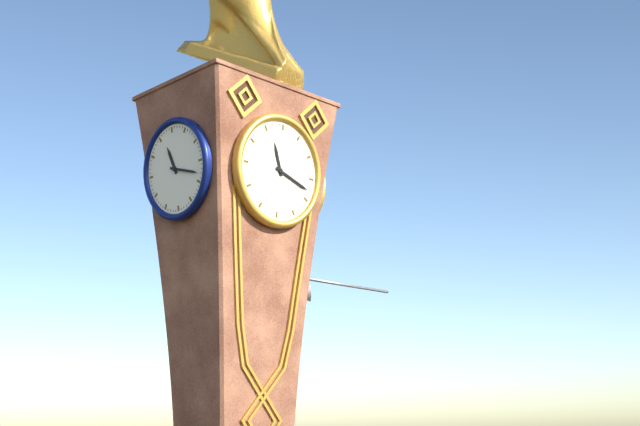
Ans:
h=11 m=18
